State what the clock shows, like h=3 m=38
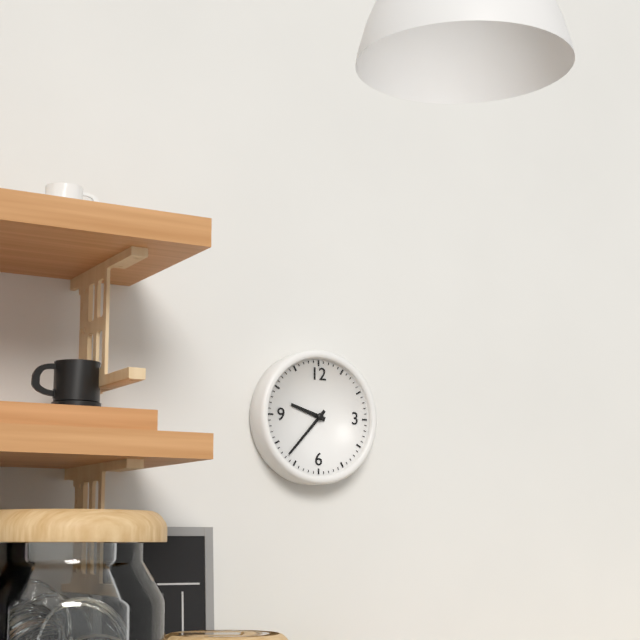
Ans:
h=9 m=37
